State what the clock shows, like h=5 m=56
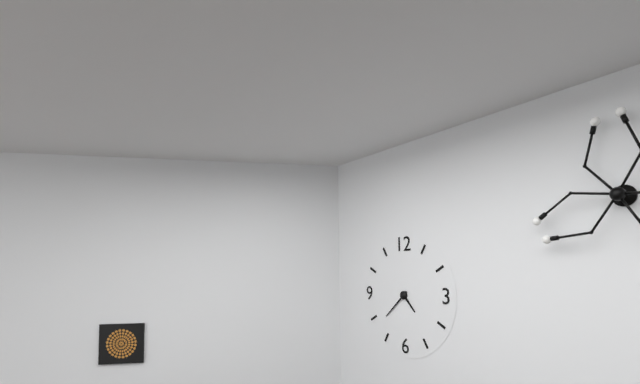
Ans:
h=4 m=38
